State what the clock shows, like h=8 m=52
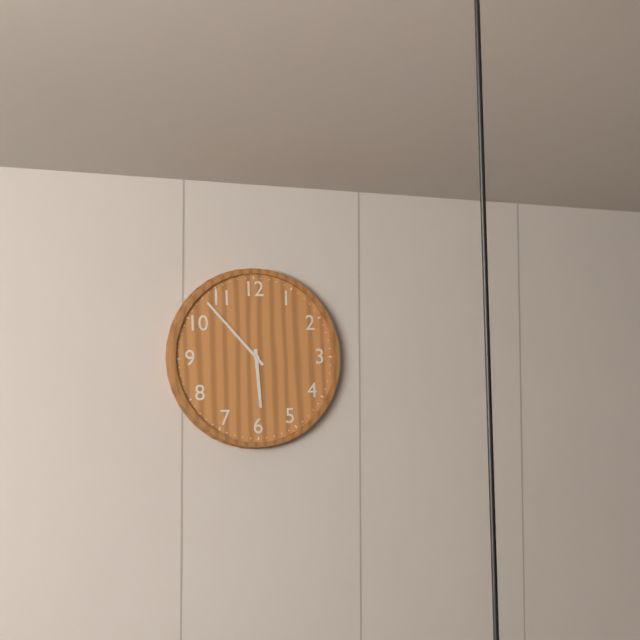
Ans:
h=5 m=53
